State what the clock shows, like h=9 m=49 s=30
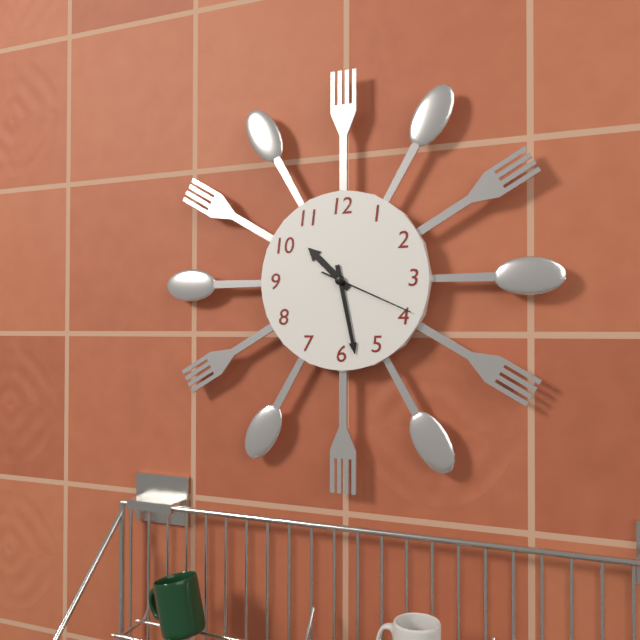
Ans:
h=10 m=28 s=19
